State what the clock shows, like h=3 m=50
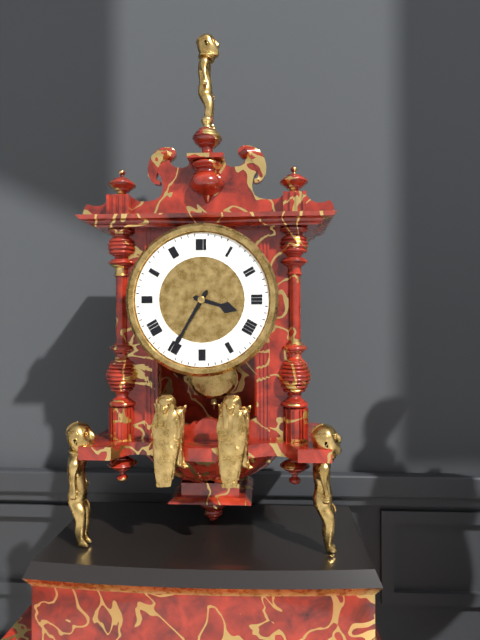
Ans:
h=3 m=35
